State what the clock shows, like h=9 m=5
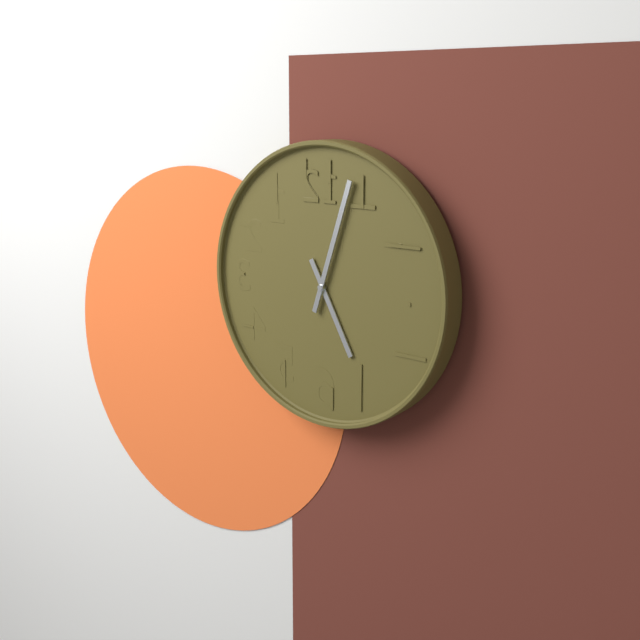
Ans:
h=5 m=3
